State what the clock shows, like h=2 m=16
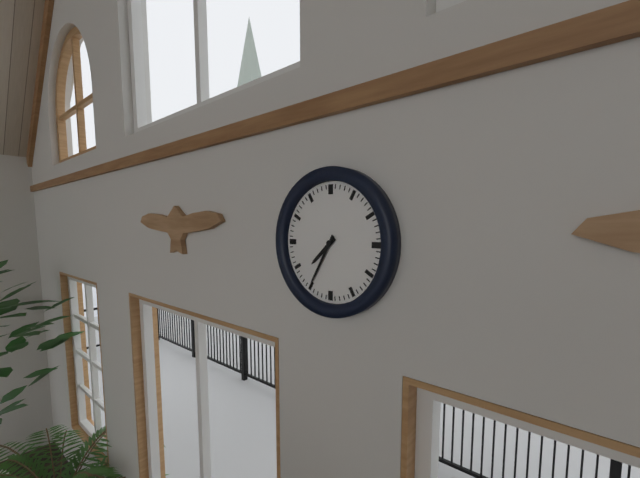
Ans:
h=7 m=35
